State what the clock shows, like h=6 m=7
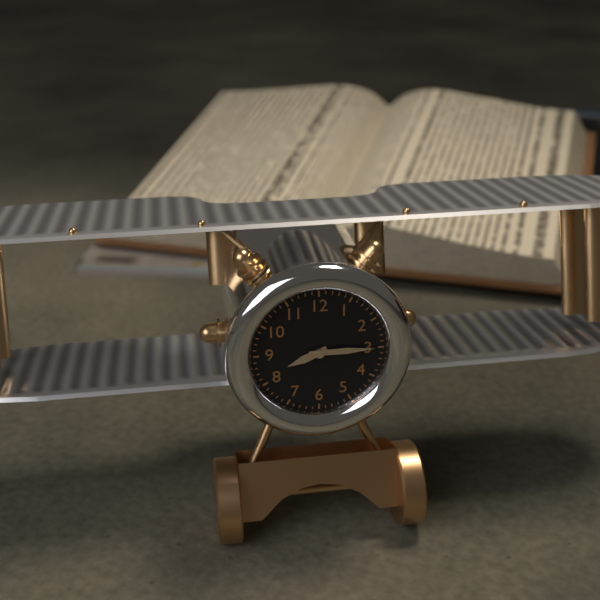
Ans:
h=8 m=15
